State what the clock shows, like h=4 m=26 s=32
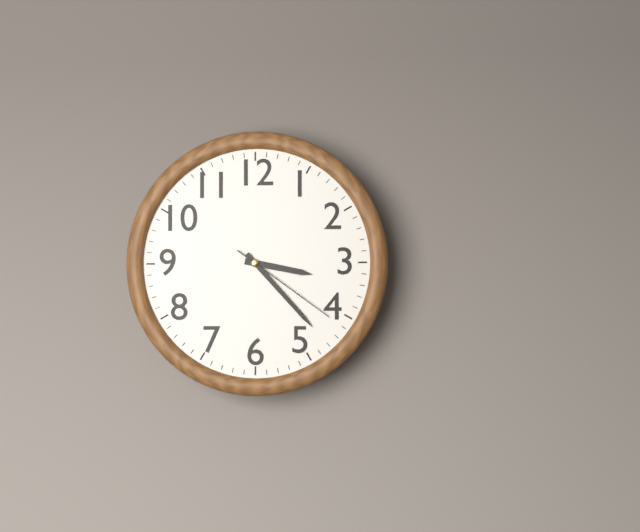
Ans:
h=3 m=23 s=21
